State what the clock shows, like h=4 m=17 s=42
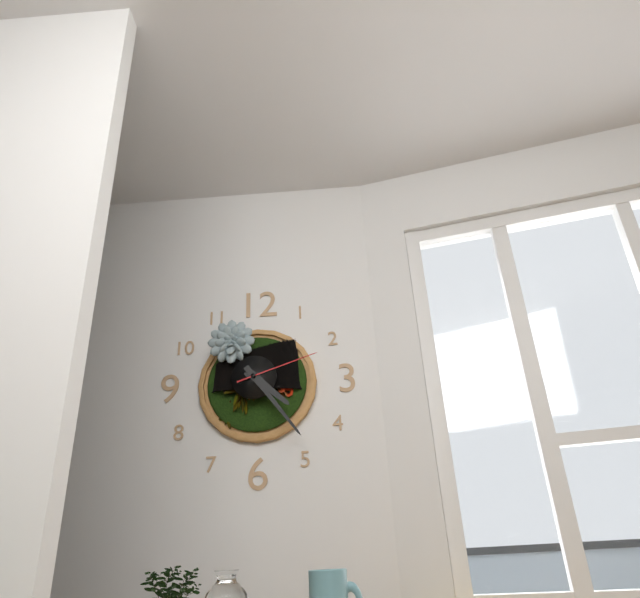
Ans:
h=4 m=24 s=12
